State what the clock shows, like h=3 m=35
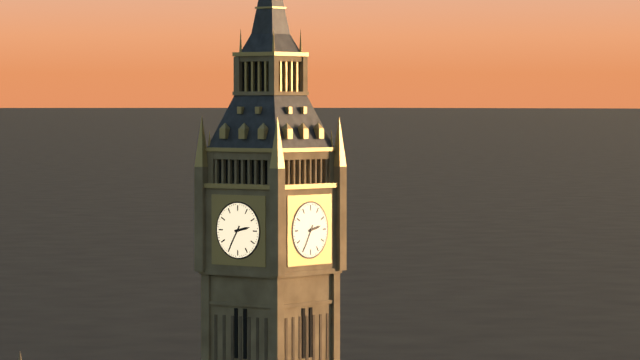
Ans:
h=2 m=35
